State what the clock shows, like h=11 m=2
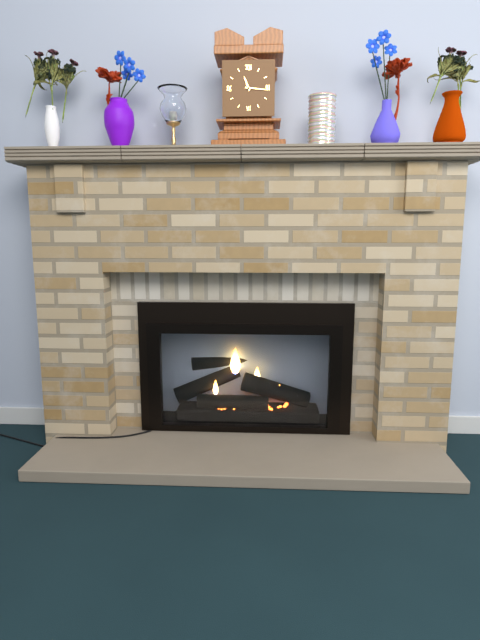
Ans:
h=11 m=16
